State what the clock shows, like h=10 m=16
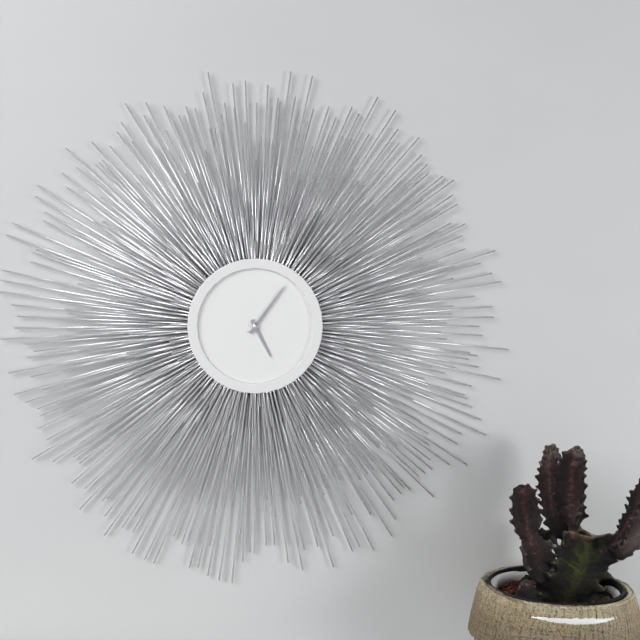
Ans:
h=5 m=6
